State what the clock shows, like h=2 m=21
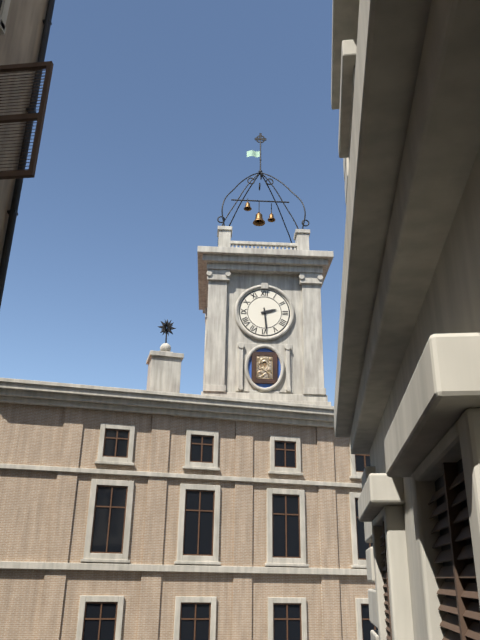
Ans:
h=2 m=29
